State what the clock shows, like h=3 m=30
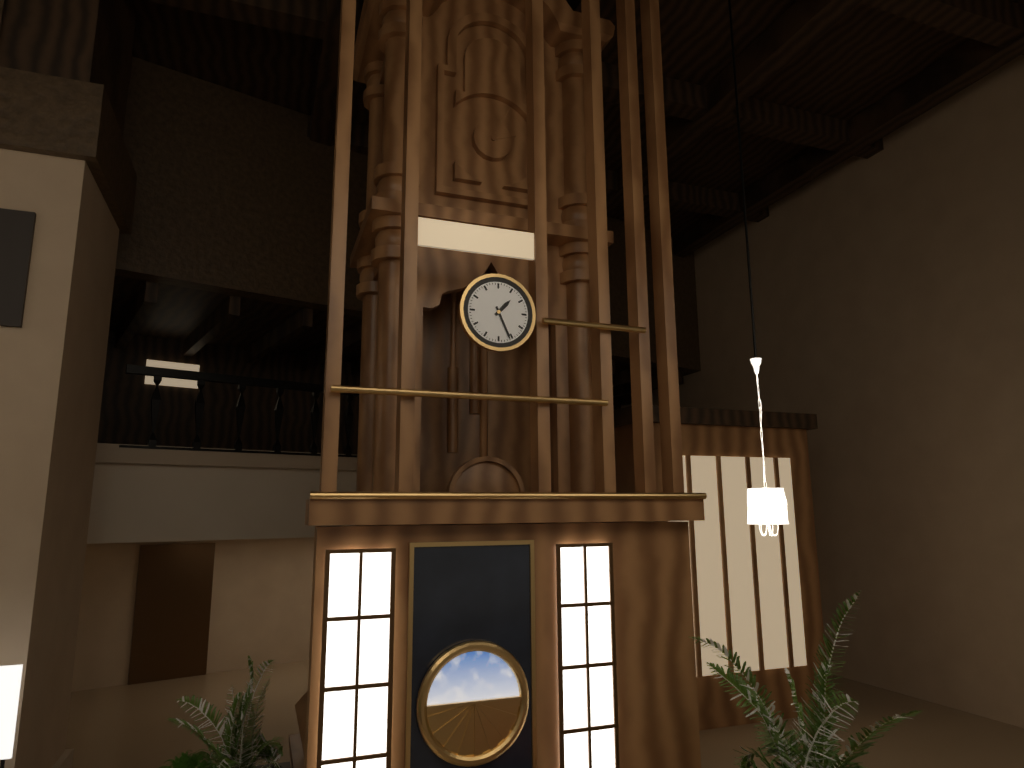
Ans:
h=1 m=26
